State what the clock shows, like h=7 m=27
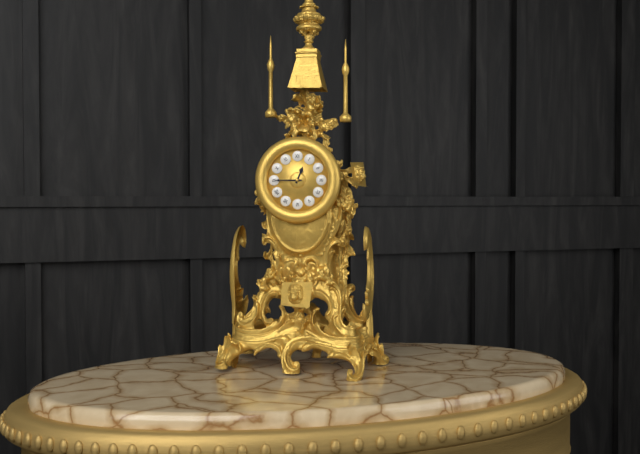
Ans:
h=12 m=45
